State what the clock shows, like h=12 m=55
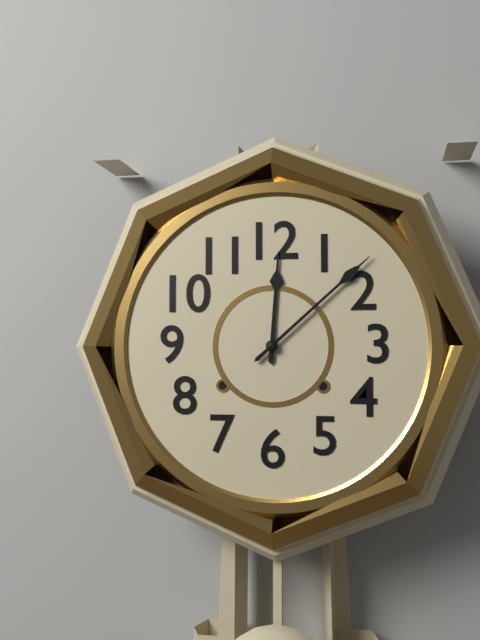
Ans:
h=12 m=8
